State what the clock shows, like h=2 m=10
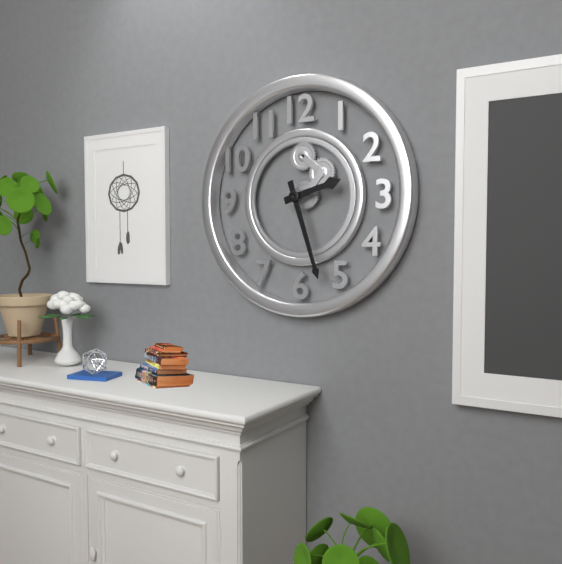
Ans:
h=2 m=27
